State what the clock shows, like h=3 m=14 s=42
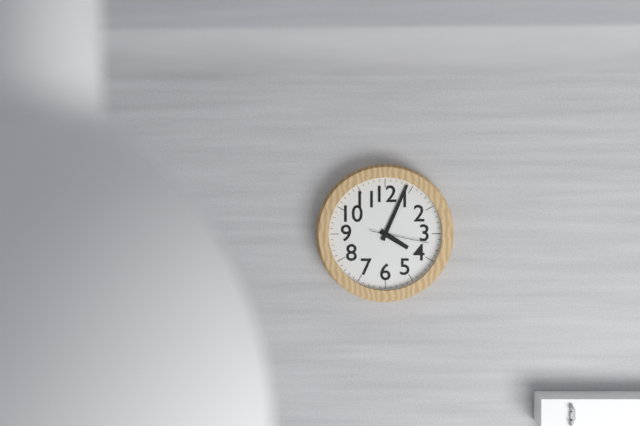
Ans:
h=4 m=4 s=17
